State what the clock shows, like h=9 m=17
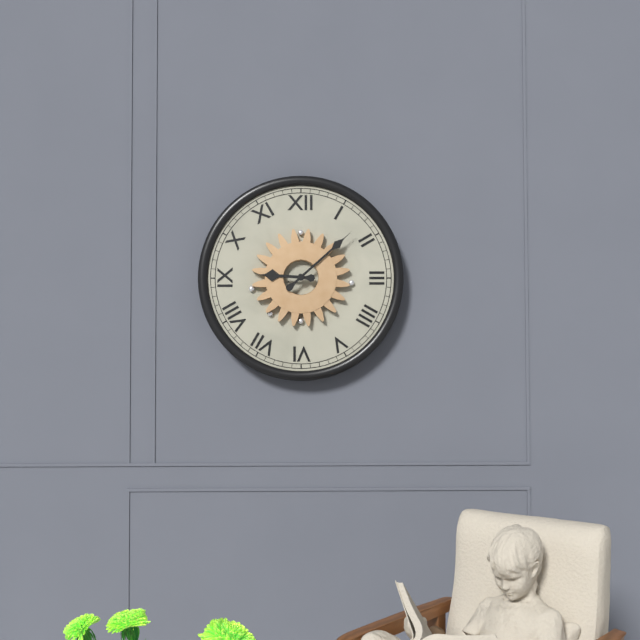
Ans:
h=9 m=8
